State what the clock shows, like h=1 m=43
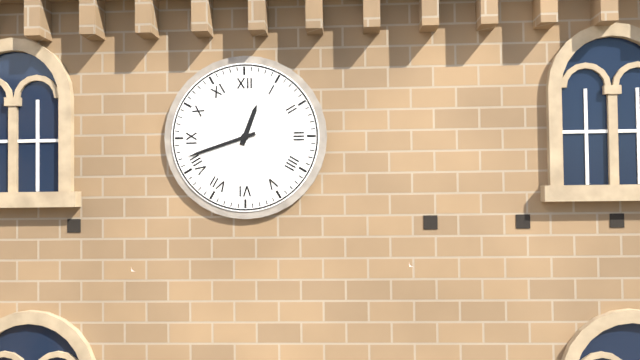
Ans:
h=12 m=42
